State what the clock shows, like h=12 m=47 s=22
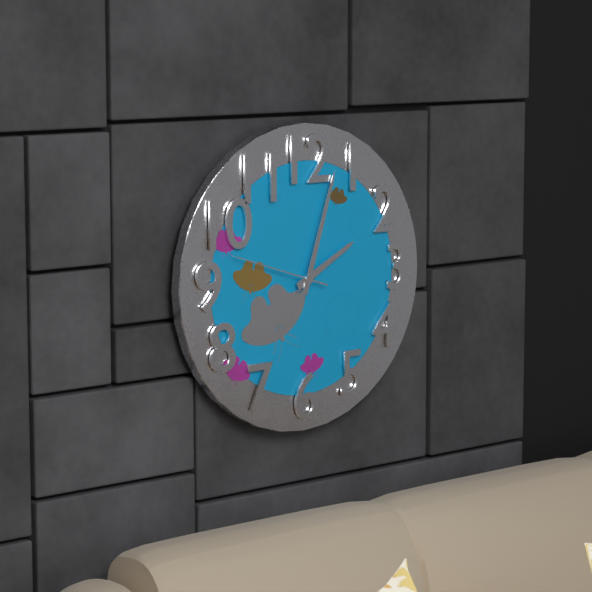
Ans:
h=2 m=3 s=48
